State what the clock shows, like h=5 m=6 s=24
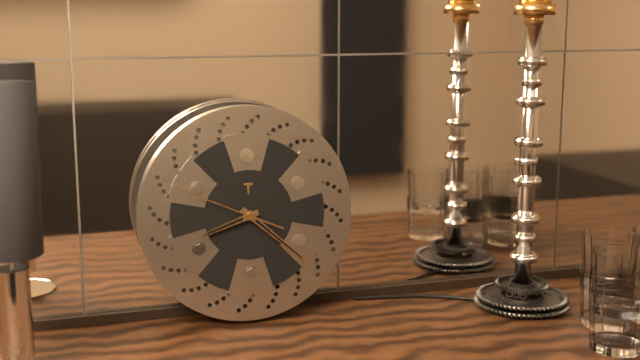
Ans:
h=8 m=22 s=49
